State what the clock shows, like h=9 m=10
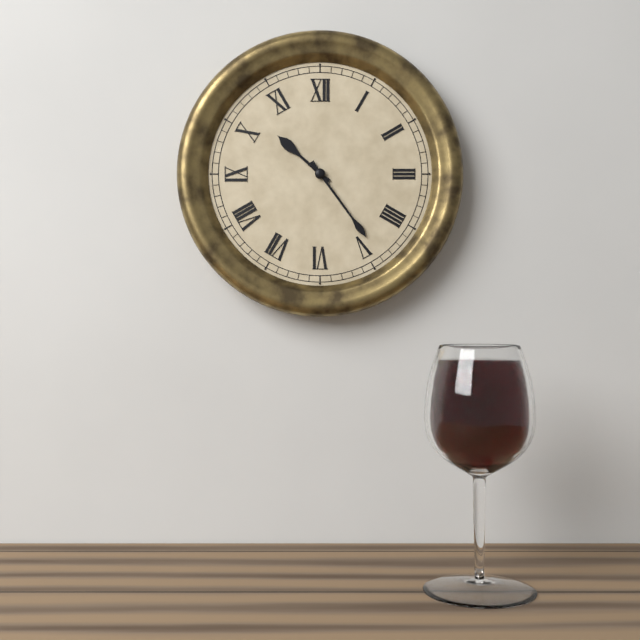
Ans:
h=10 m=24
